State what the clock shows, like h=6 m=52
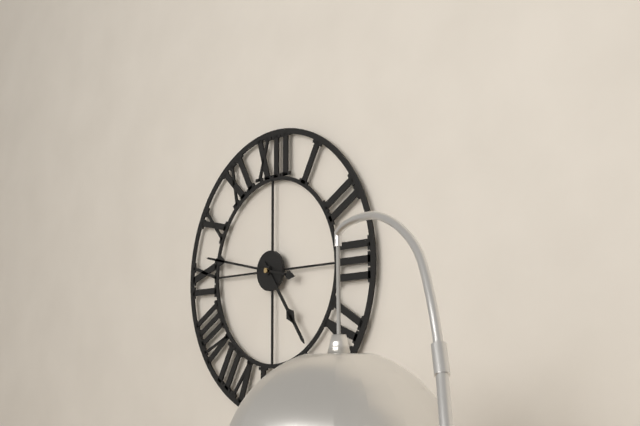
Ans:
h=4 m=47
